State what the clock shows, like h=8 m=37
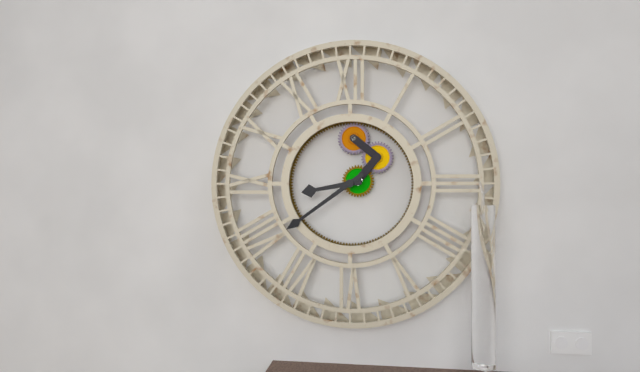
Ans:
h=8 m=39
